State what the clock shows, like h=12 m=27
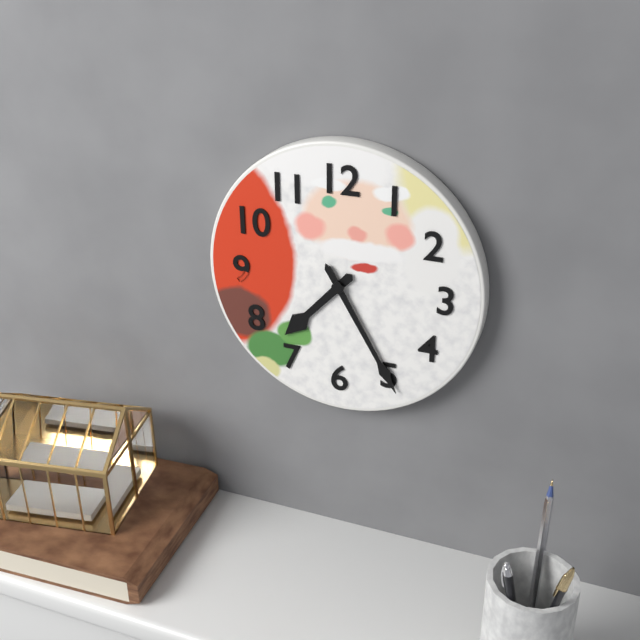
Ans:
h=7 m=25
